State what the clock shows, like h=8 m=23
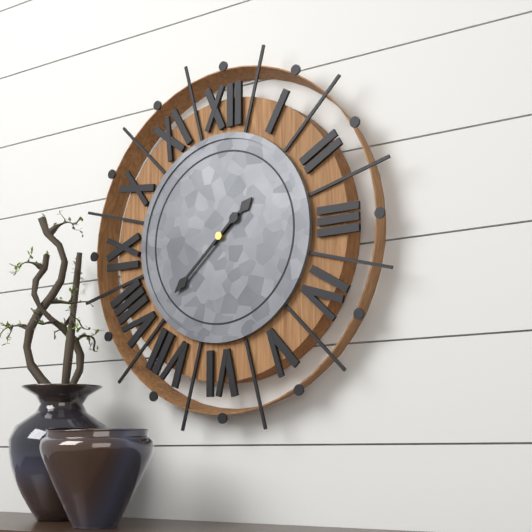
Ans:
h=1 m=38
